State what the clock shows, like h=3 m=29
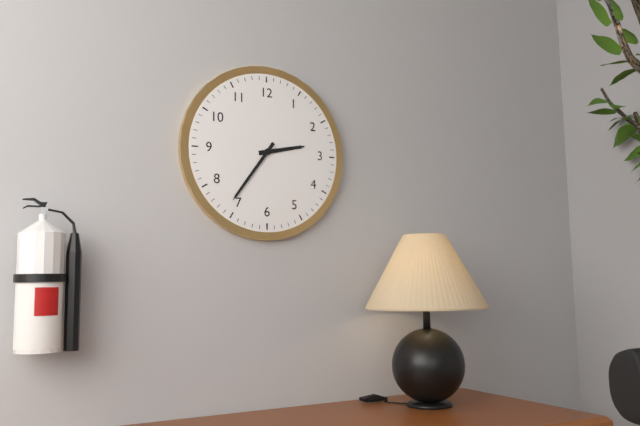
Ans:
h=2 m=36
